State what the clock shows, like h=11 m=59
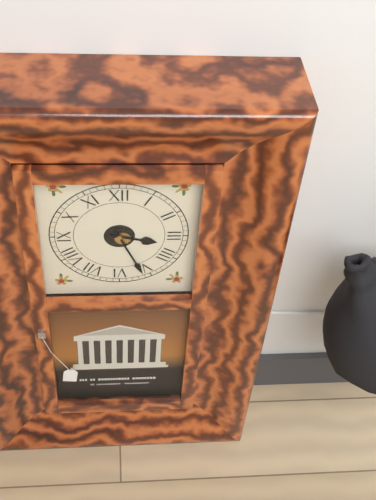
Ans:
h=3 m=26
